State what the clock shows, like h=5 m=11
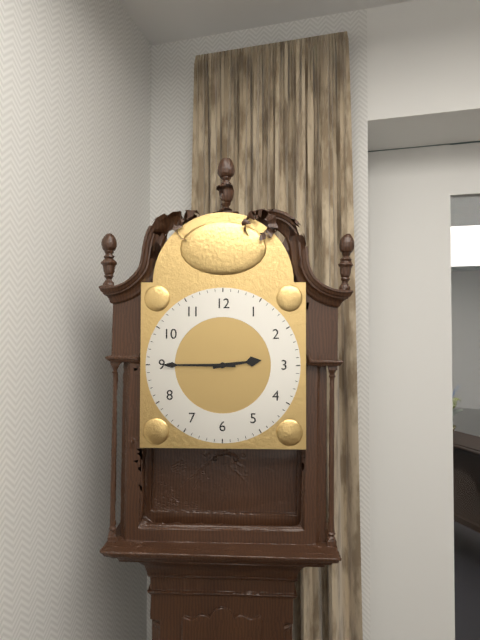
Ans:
h=2 m=45
